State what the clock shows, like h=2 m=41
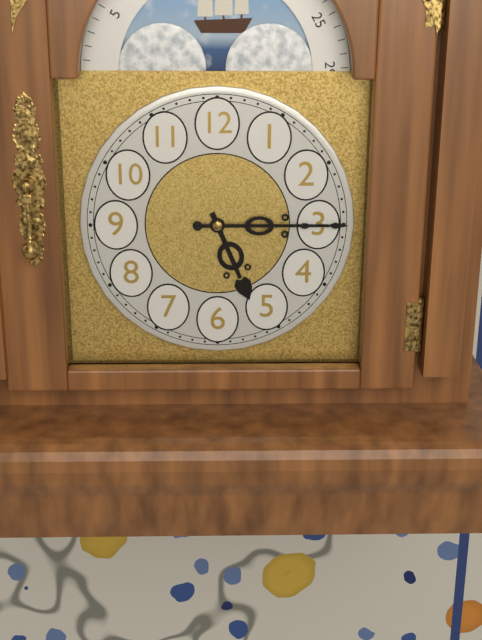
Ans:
h=5 m=15
